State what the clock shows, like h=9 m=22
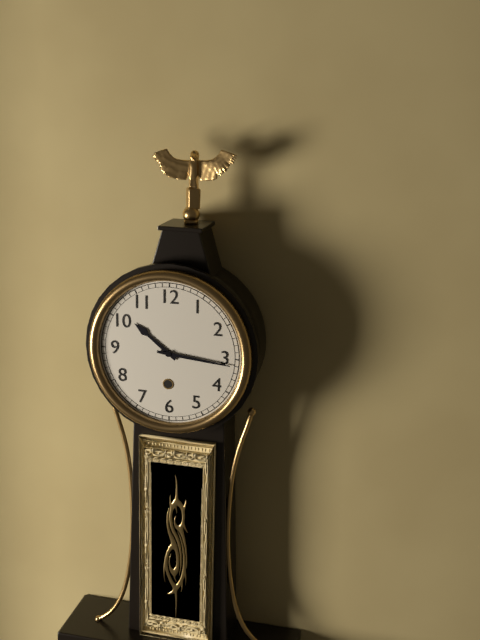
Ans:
h=10 m=16
